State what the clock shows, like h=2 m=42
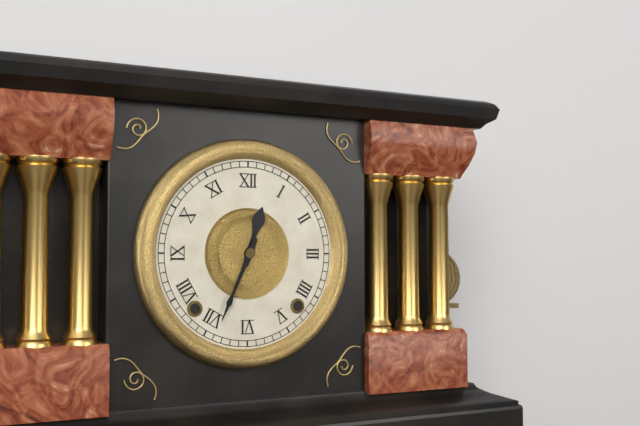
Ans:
h=12 m=34
